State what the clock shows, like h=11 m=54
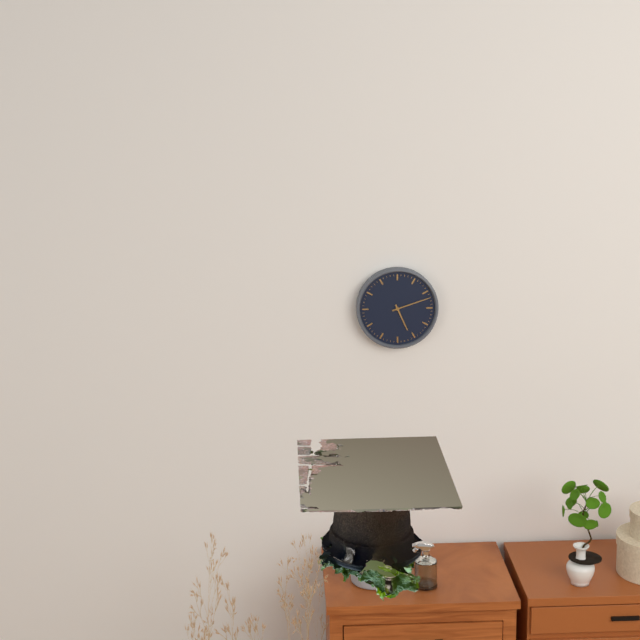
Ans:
h=5 m=12
